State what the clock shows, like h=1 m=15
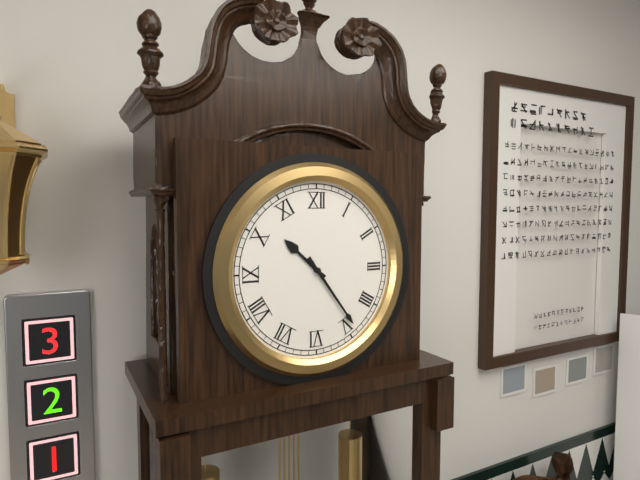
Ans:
h=10 m=24
